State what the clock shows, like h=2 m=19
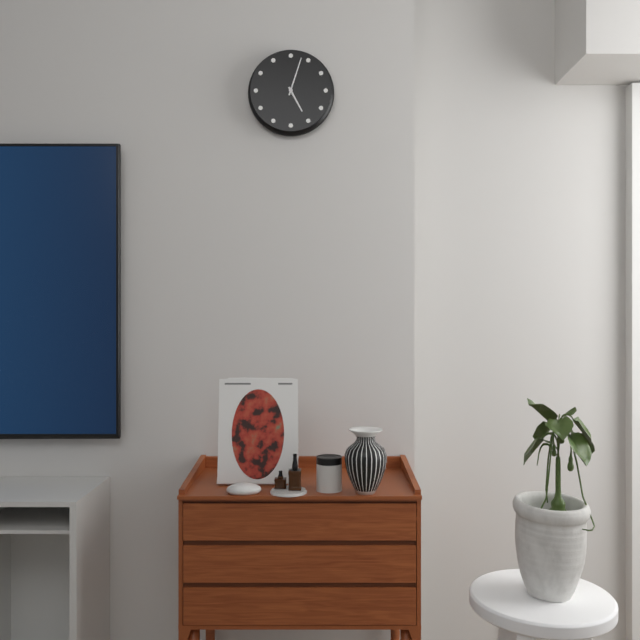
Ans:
h=5 m=3
